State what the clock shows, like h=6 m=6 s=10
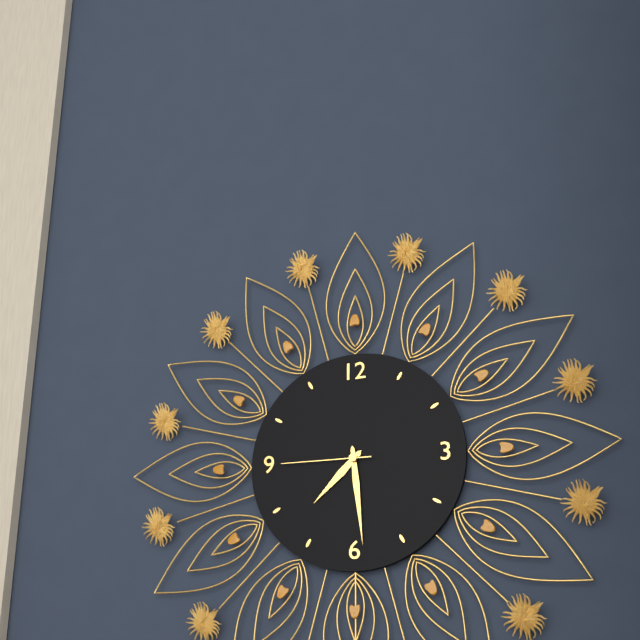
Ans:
h=7 m=29 s=45
